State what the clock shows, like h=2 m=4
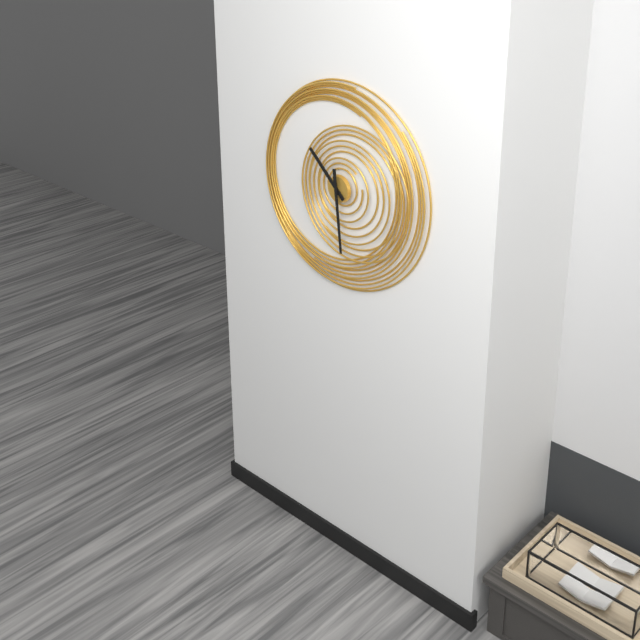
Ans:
h=10 m=29
